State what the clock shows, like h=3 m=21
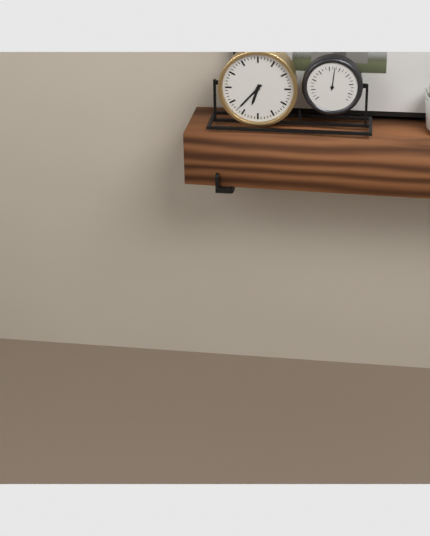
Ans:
h=6 m=37
